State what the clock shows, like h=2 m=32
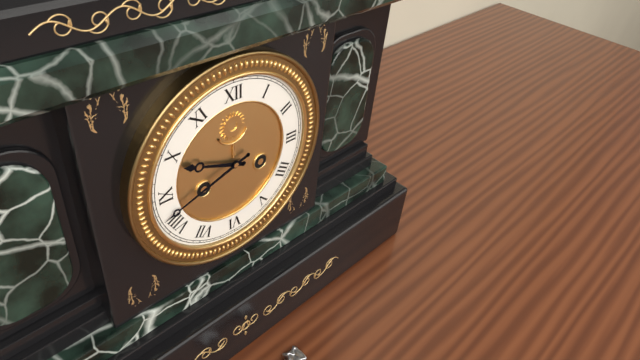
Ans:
h=9 m=42
